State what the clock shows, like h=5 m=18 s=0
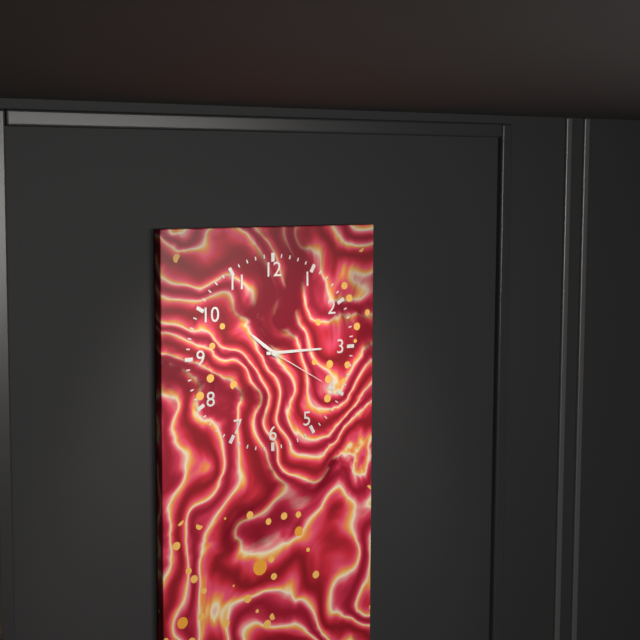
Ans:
h=10 m=15 s=20
